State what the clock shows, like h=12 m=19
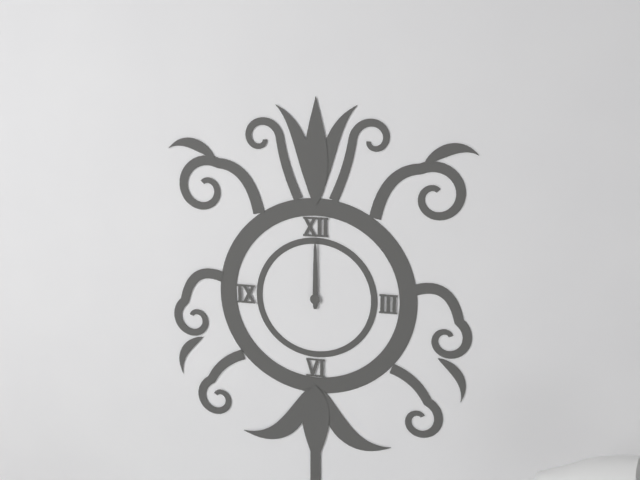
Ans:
h=12 m=0
